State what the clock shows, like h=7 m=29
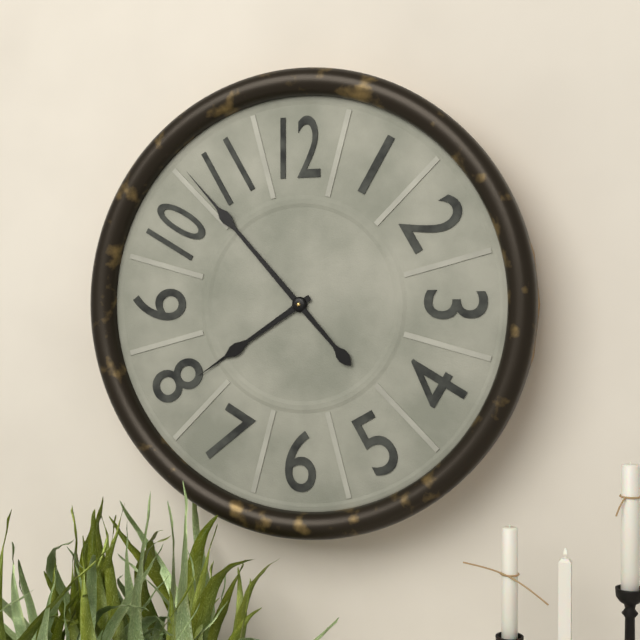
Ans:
h=7 m=53
